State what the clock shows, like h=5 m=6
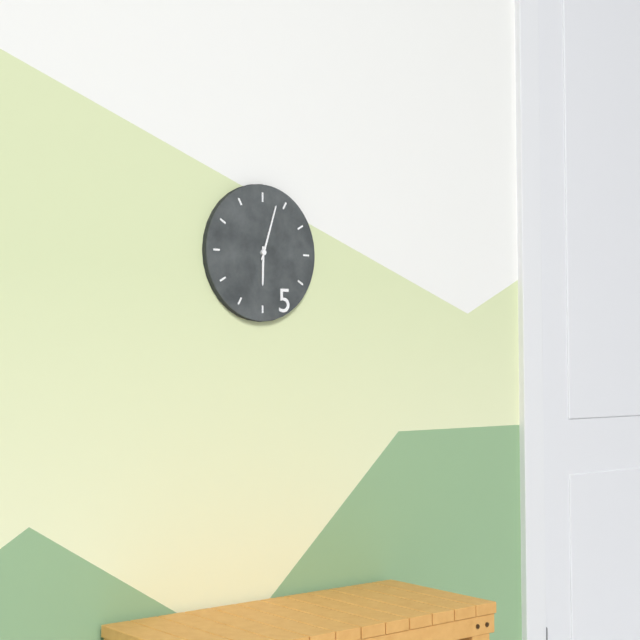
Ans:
h=6 m=3
